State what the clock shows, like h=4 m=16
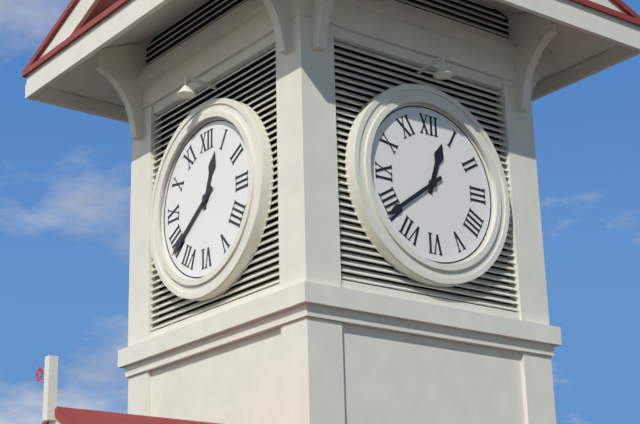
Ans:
h=12 m=39
